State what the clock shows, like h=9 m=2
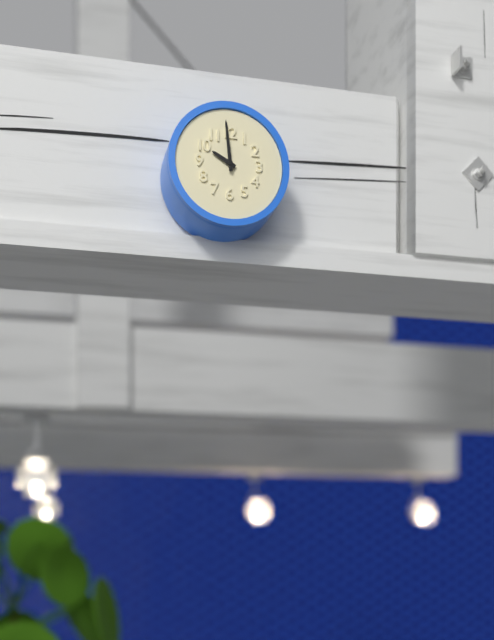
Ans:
h=9 m=59
